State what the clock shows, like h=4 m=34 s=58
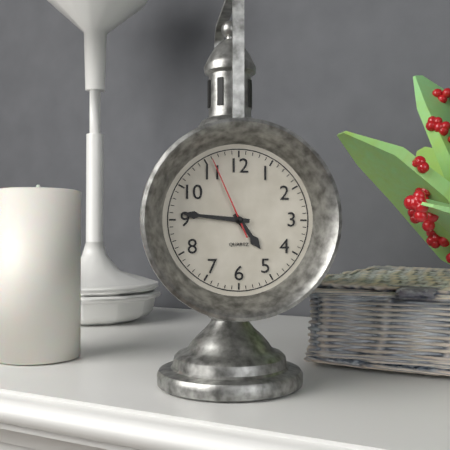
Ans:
h=4 m=46 s=56
